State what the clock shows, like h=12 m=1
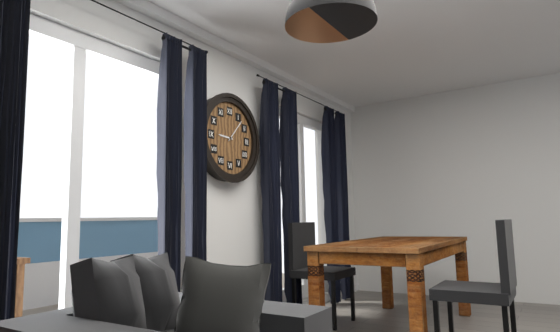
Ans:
h=9 m=7
